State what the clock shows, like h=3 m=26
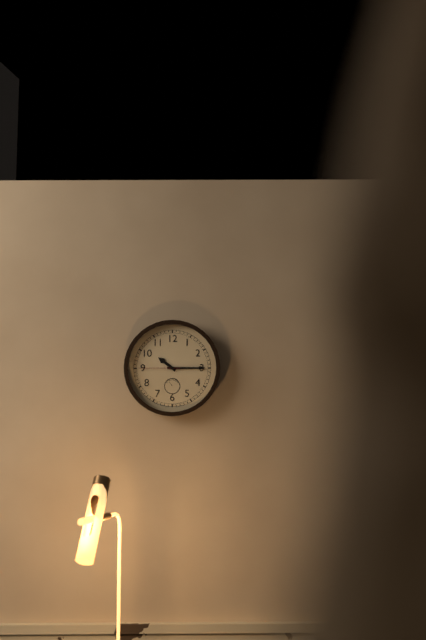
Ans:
h=10 m=15
